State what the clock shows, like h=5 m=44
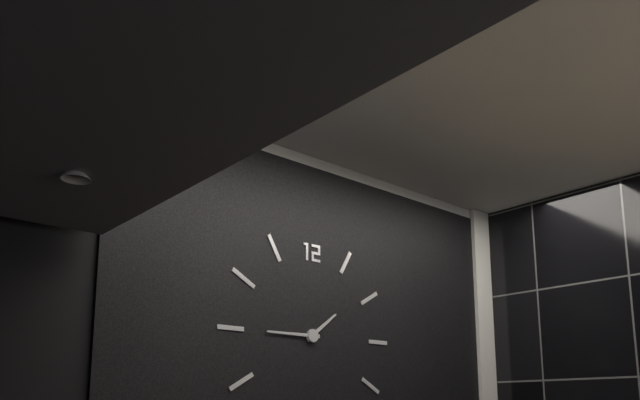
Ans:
h=1 m=45
